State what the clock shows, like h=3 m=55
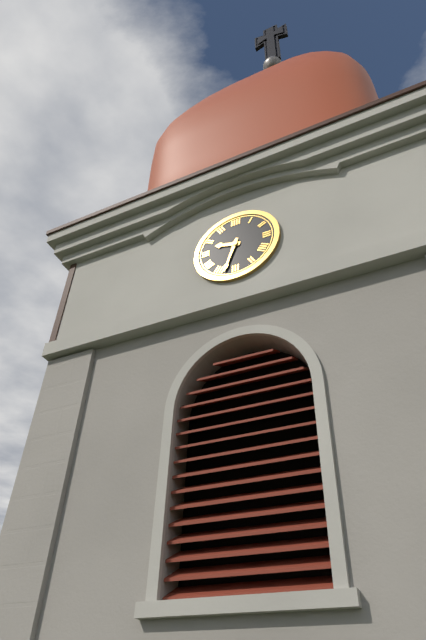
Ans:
h=9 m=33
